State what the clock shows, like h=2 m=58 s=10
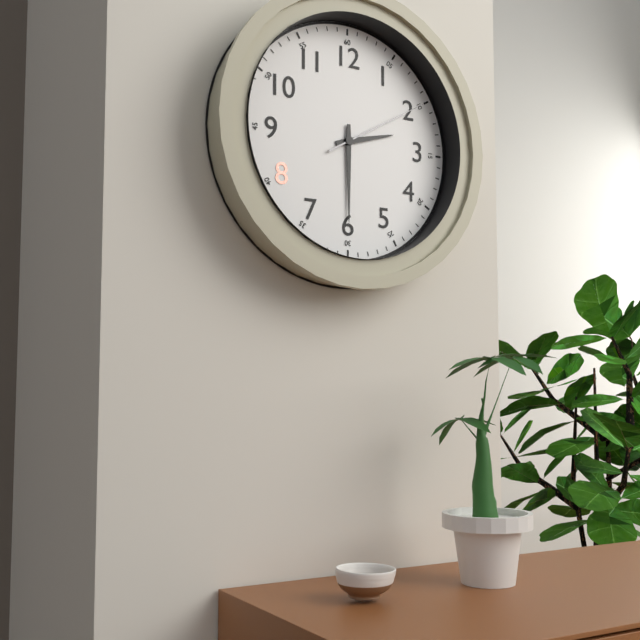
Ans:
h=2 m=30 s=10
